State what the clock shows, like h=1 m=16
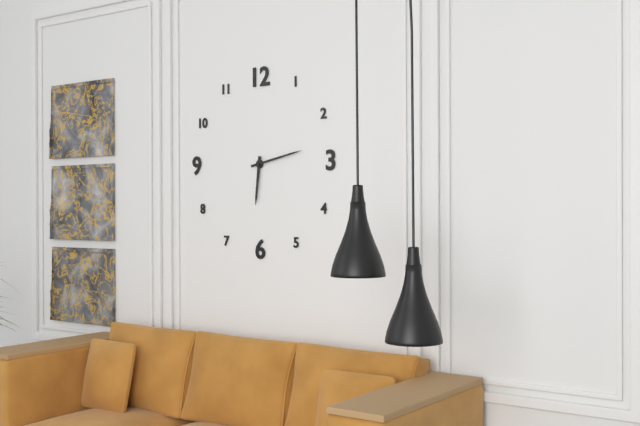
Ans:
h=6 m=13
